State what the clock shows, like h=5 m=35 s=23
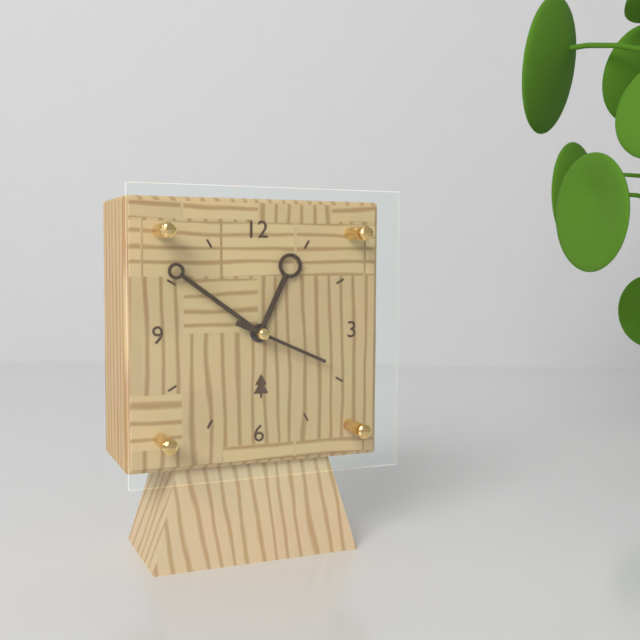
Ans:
h=12 m=51 s=19
